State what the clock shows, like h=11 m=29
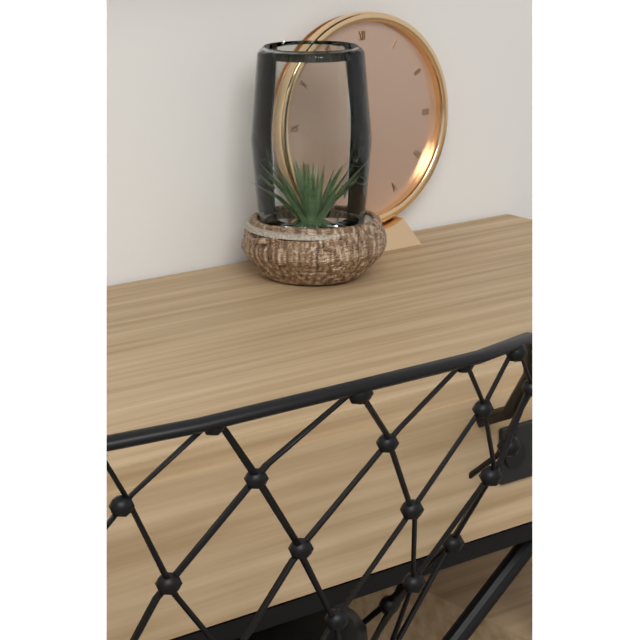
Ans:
h=11 m=33
